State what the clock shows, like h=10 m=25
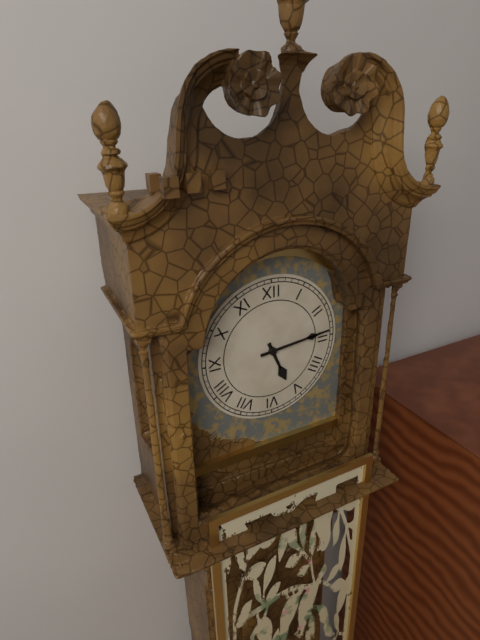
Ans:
h=5 m=14
